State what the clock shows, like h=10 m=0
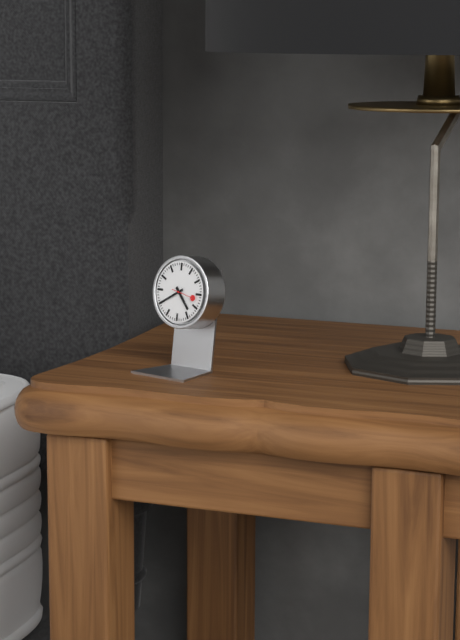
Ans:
h=4 m=40
